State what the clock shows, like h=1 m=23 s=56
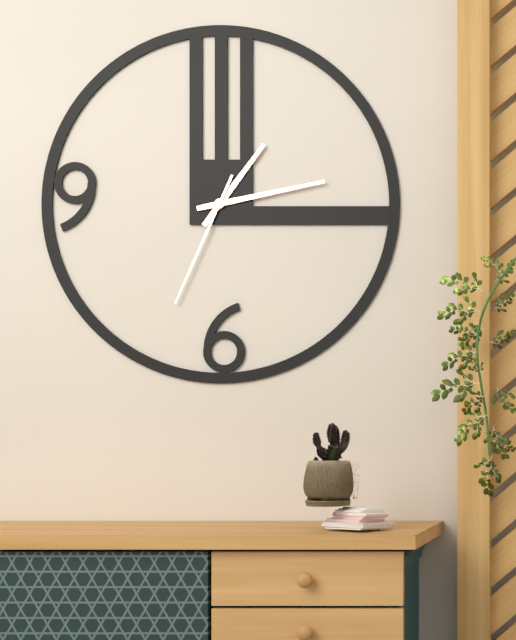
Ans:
h=1 m=13 s=34
